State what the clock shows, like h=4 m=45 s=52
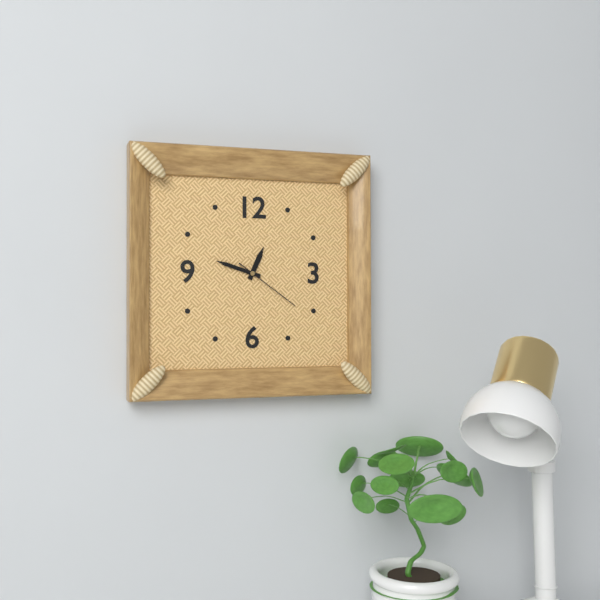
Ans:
h=12 m=48 s=21
